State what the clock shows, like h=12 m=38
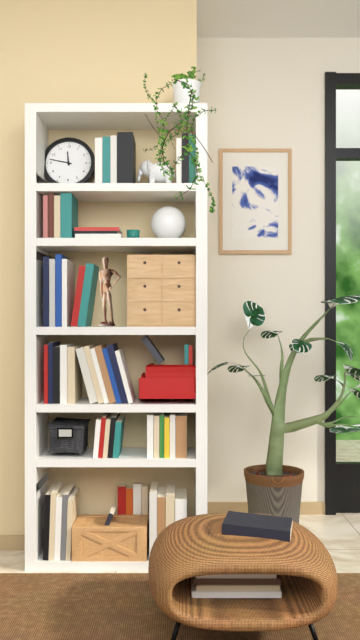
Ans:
h=11 m=47
